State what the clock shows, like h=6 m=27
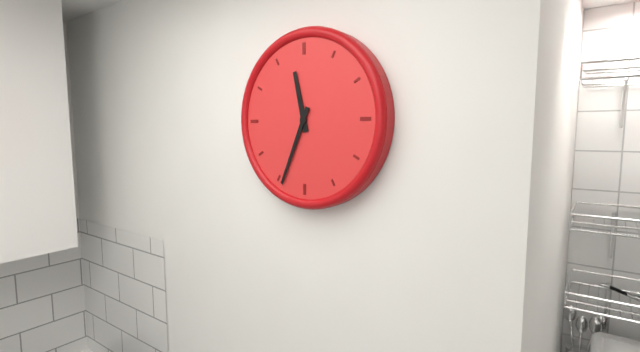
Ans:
h=11 m=34
